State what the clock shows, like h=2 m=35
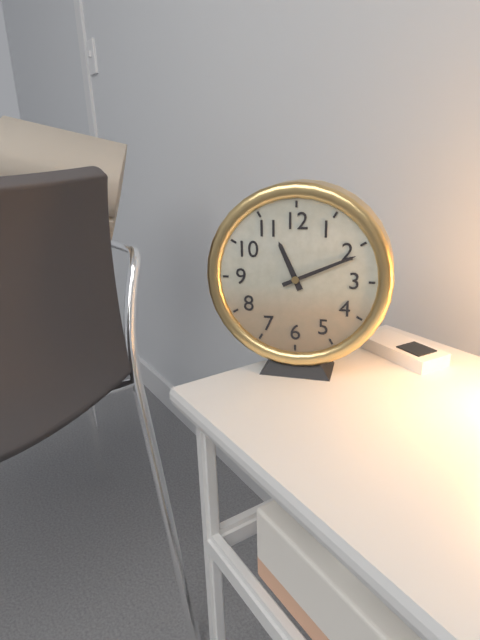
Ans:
h=11 m=11
